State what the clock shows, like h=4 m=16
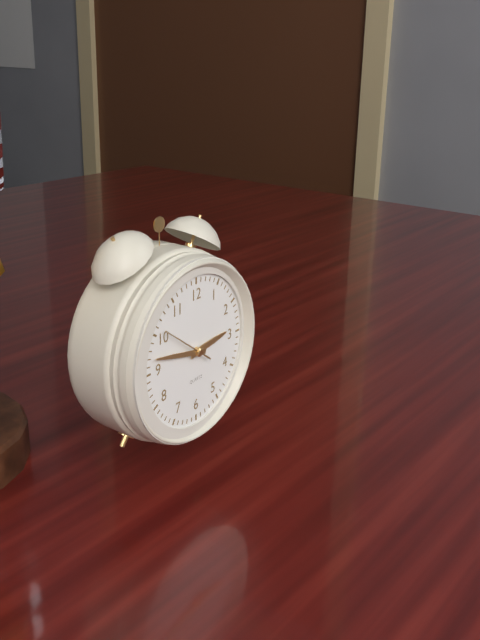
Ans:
h=2 m=47
